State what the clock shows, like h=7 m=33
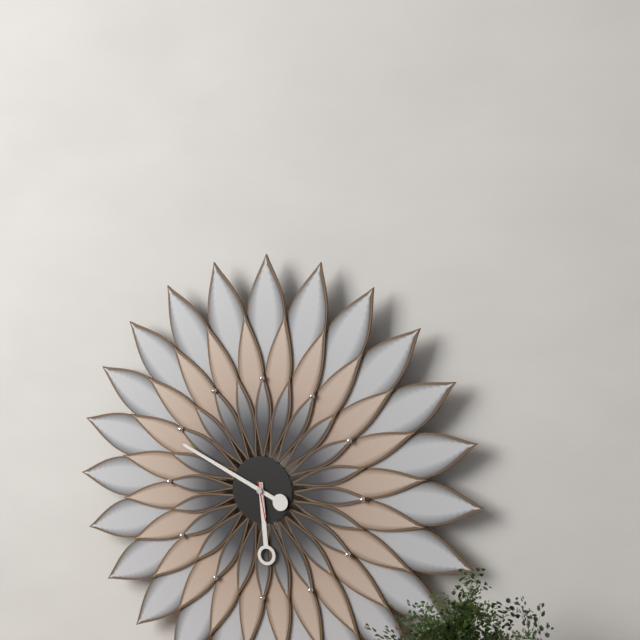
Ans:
h=5 m=49
